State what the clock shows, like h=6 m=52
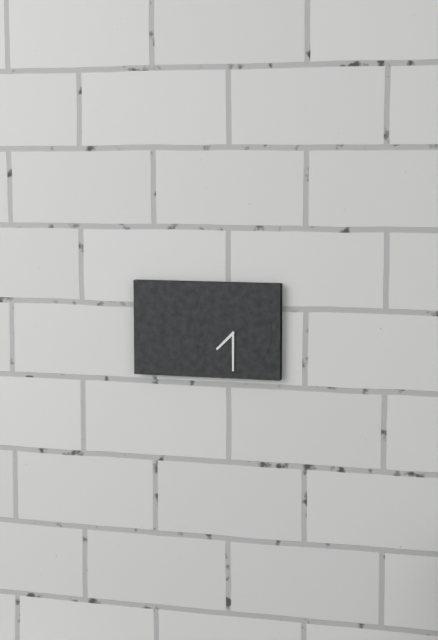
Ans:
h=7 m=30
